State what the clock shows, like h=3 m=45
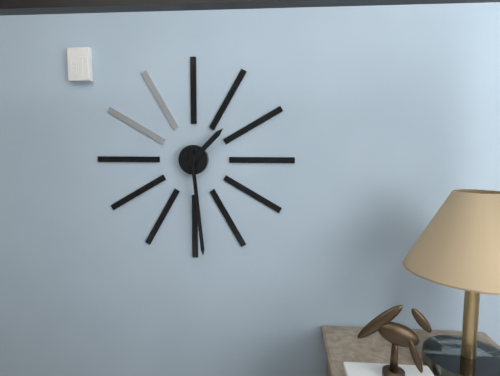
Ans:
h=1 m=29
